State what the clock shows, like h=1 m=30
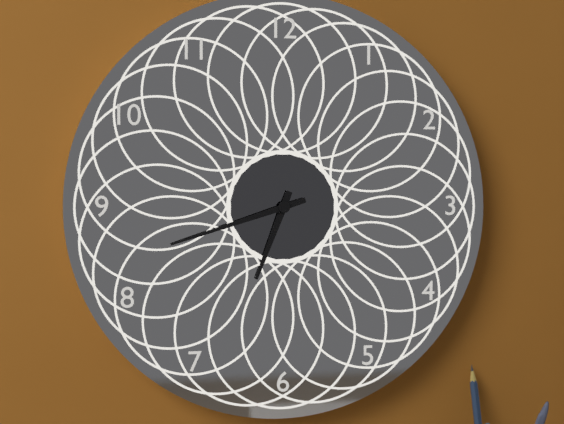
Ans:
h=6 m=42
